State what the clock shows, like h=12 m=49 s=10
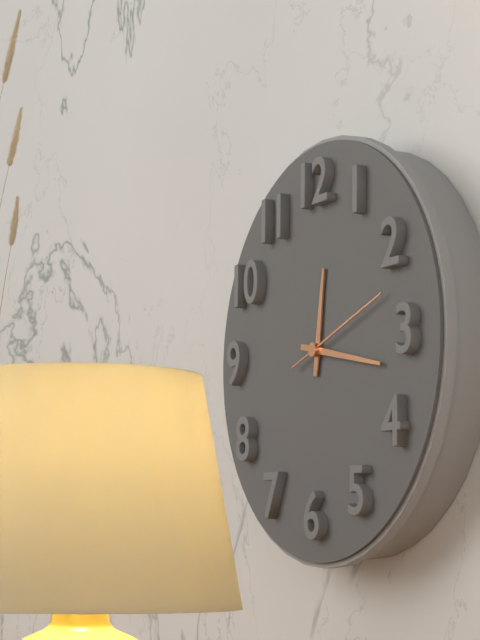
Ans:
h=12 m=17 s=12
